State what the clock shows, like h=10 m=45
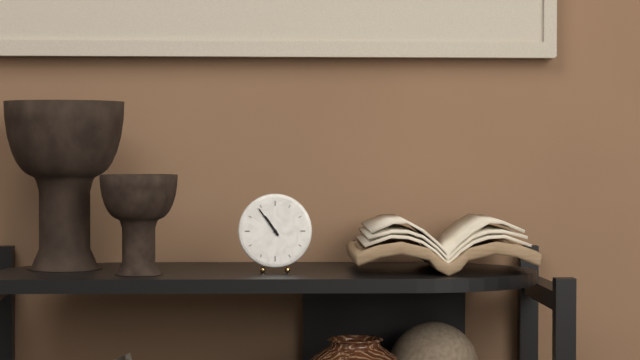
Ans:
h=10 m=54
